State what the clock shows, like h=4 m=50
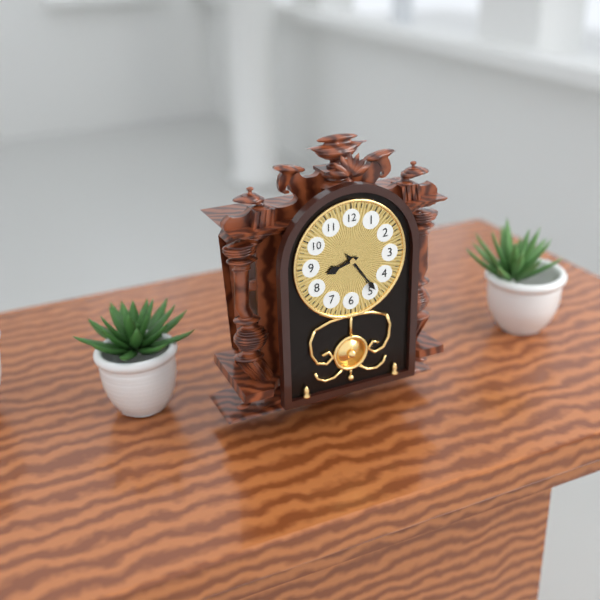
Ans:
h=8 m=24
